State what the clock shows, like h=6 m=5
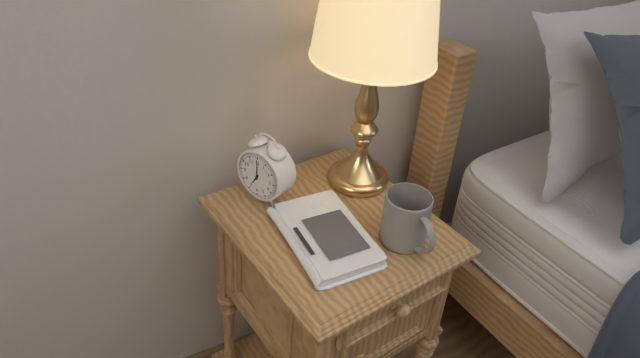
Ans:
h=7 m=0
